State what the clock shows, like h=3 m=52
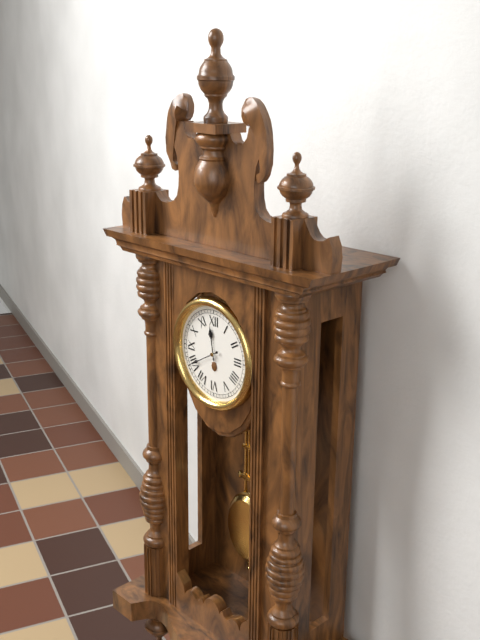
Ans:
h=11 m=40
